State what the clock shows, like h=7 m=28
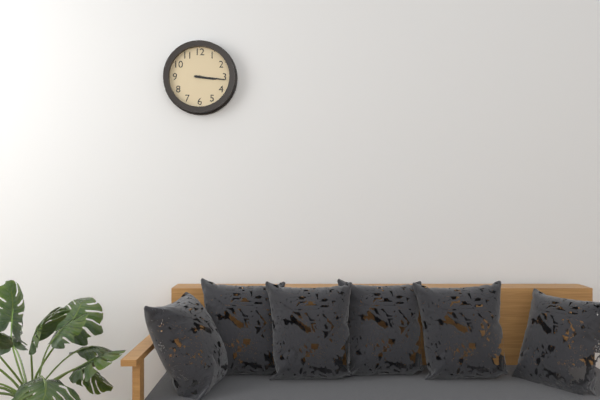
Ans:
h=3 m=16
